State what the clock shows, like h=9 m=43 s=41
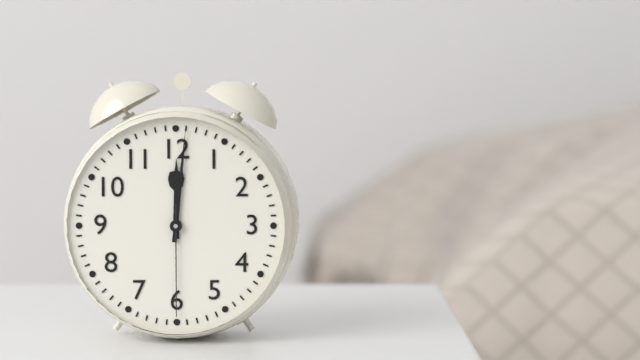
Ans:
h=12 m=1 s=30
